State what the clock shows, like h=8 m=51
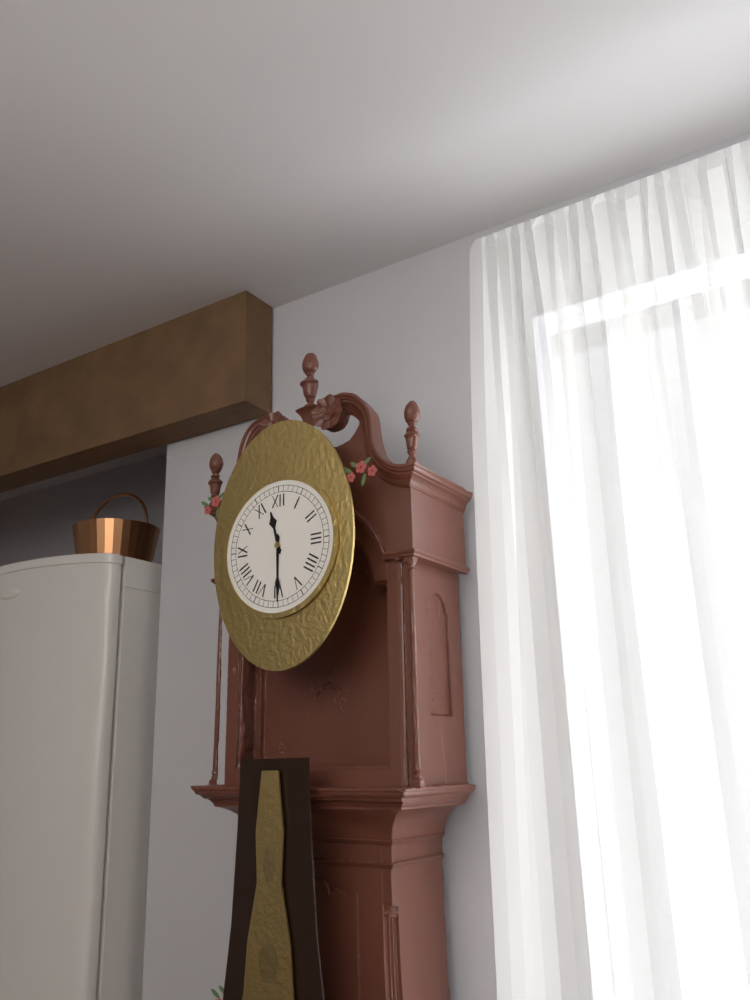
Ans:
h=11 m=30
